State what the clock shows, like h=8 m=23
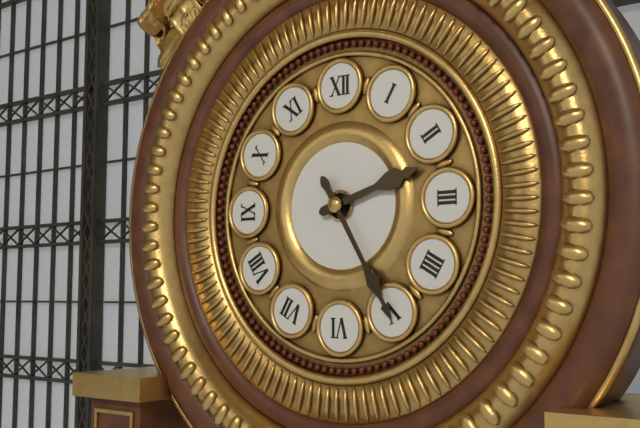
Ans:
h=2 m=25
